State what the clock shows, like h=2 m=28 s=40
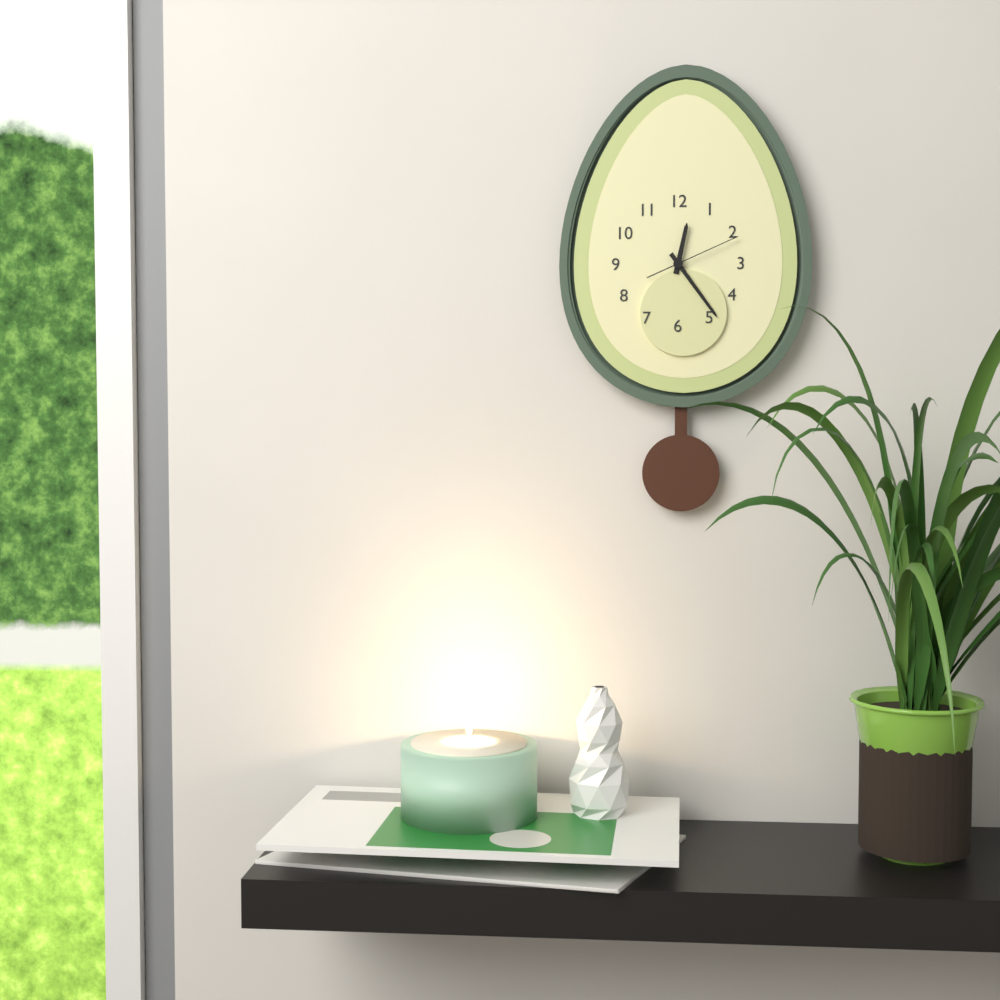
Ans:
h=12 m=24 s=11
